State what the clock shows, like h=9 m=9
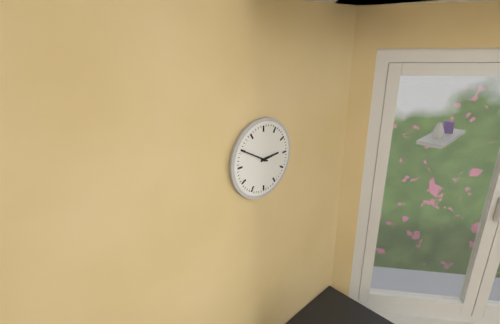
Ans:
h=2 m=50
